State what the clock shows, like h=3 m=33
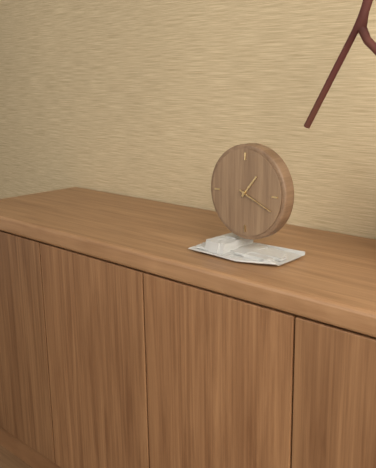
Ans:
h=1 m=19
